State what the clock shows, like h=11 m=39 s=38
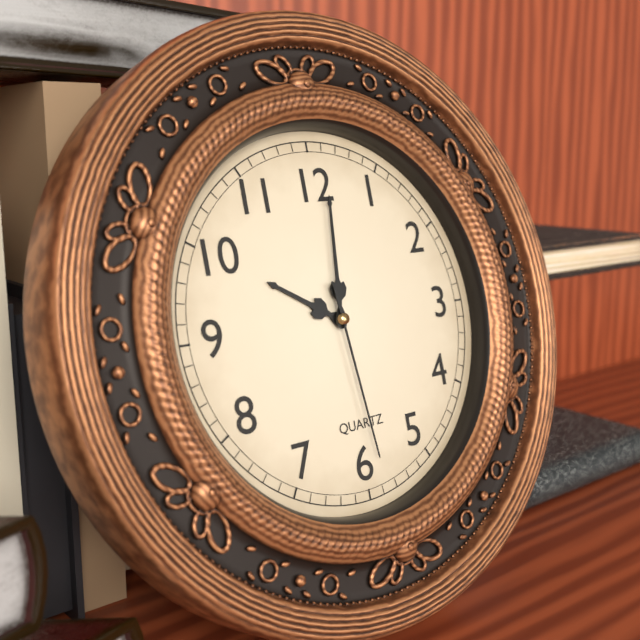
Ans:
h=10 m=1 s=29
